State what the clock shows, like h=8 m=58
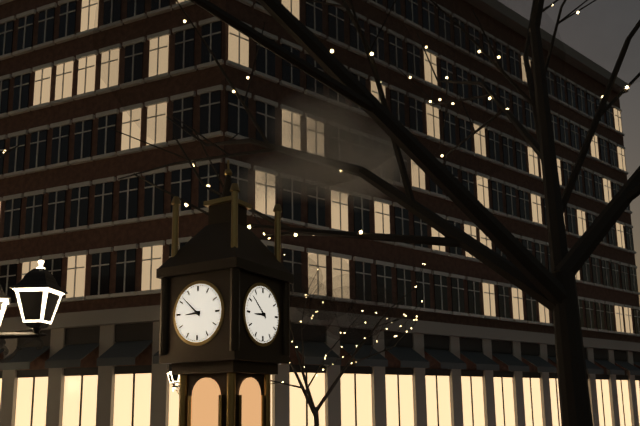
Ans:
h=8 m=52
